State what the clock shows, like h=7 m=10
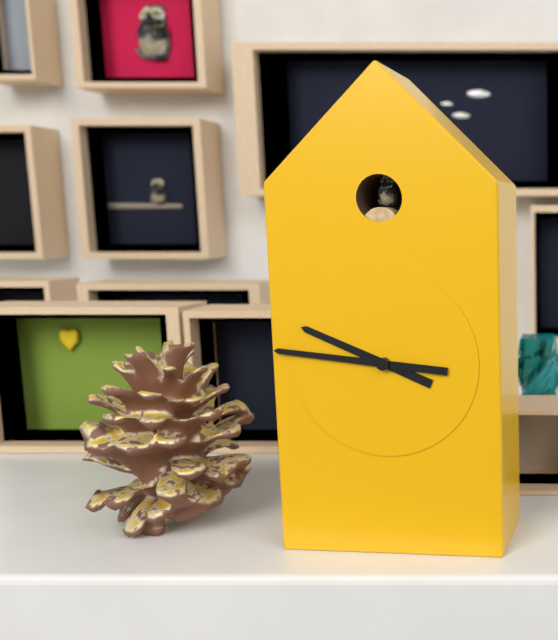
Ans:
h=9 m=46
